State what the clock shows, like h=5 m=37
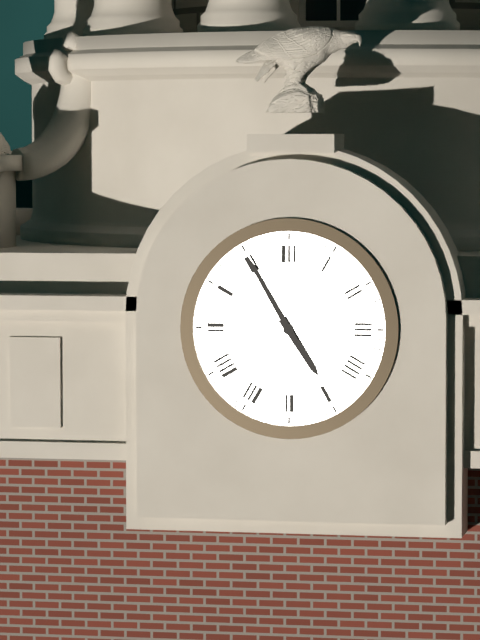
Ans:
h=4 m=55
